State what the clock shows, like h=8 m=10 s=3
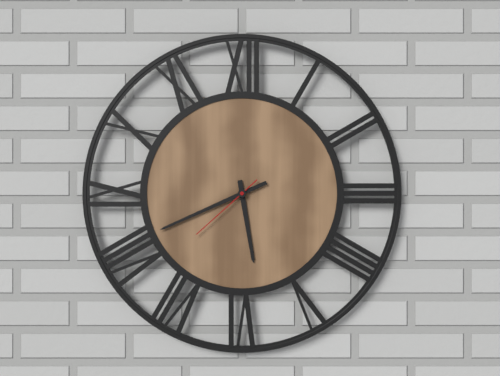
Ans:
h=5 m=41 s=38
